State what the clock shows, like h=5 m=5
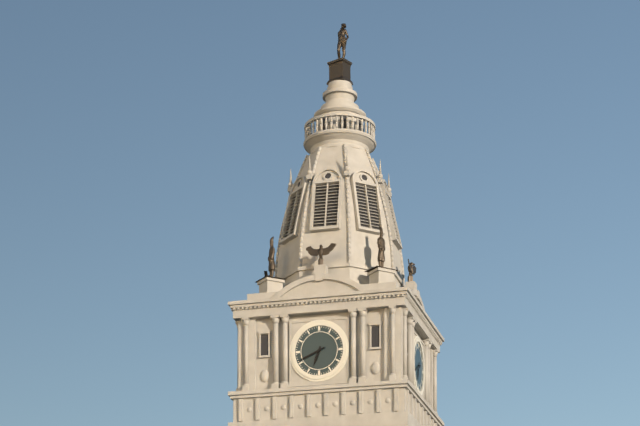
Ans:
h=6 m=41
